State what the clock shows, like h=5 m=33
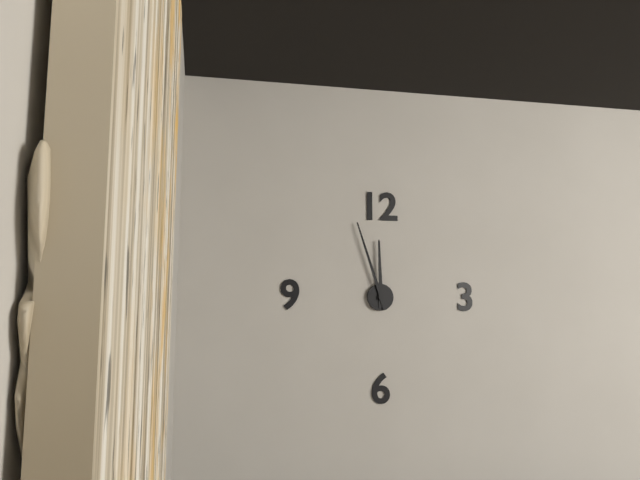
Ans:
h=11 m=57
